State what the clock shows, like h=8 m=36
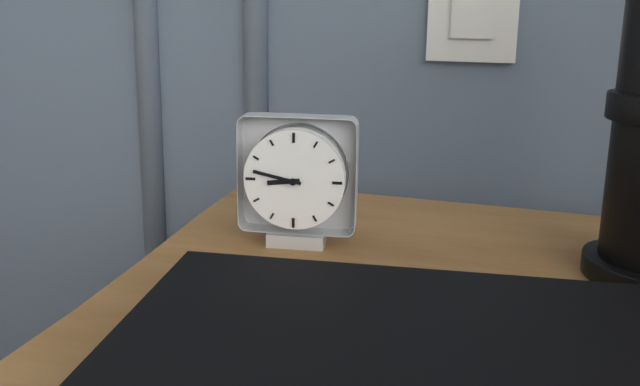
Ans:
h=8 m=47
